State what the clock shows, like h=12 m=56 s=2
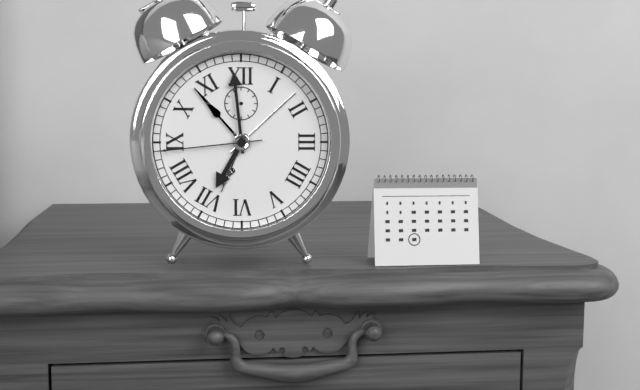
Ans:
h=6 m=59 s=44
